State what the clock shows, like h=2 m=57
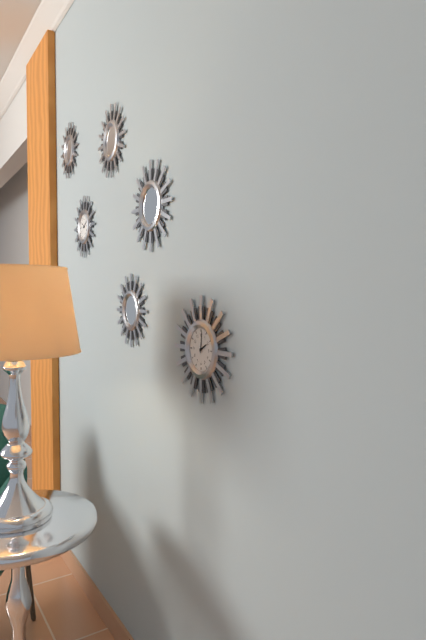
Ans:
h=2 m=1
